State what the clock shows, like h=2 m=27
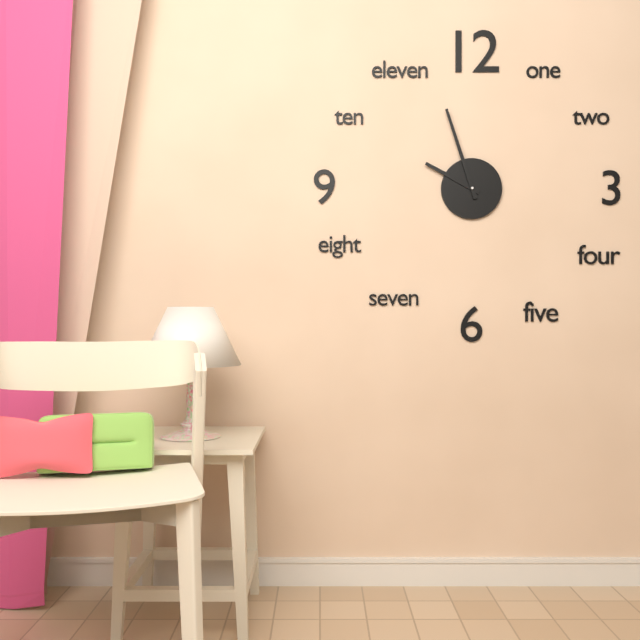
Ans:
h=9 m=57
